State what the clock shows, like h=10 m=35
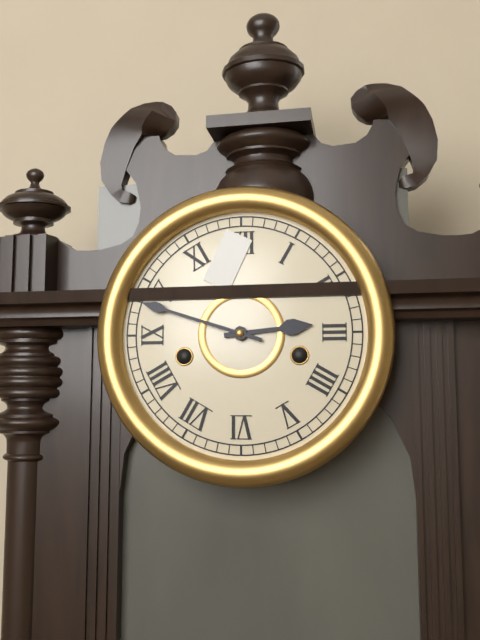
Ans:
h=2 m=48
